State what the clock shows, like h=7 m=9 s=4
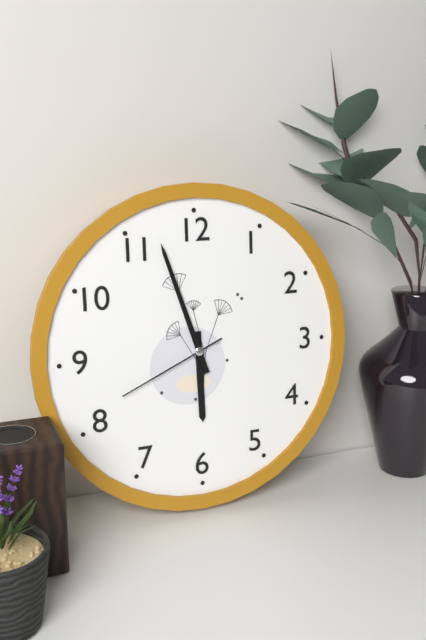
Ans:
h=5 m=57 s=41
